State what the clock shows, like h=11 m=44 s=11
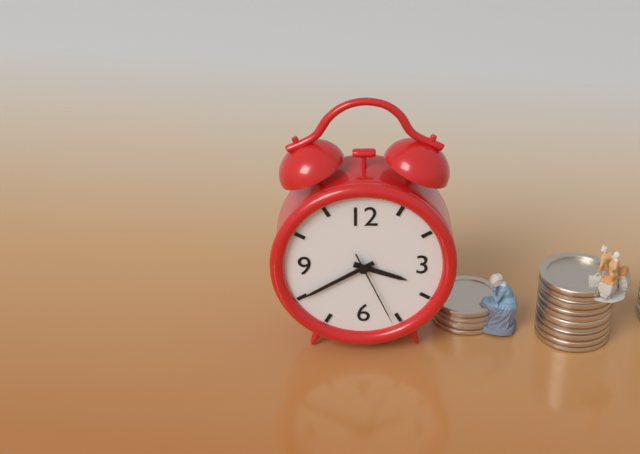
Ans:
h=3 m=40 s=26
